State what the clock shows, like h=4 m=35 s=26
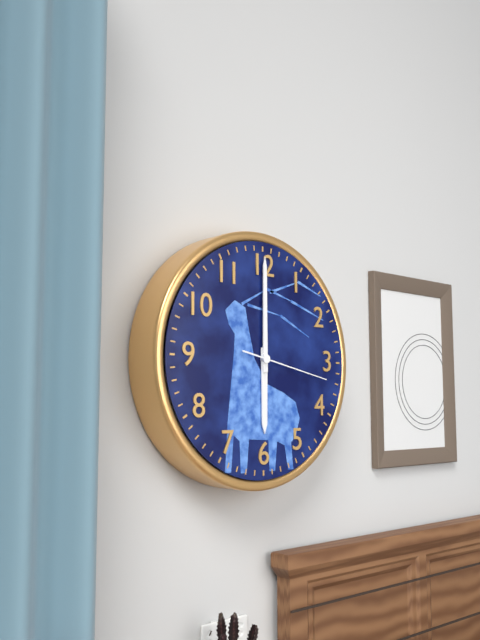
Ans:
h=6 m=0 s=17
